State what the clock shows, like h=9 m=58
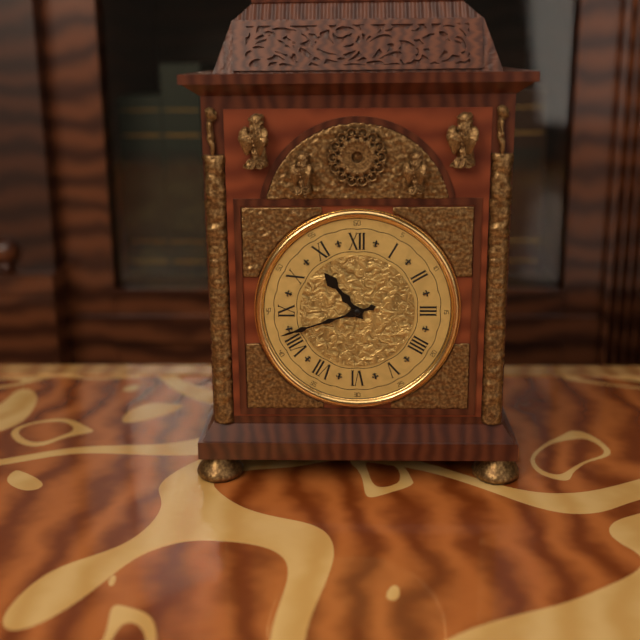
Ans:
h=10 m=42
